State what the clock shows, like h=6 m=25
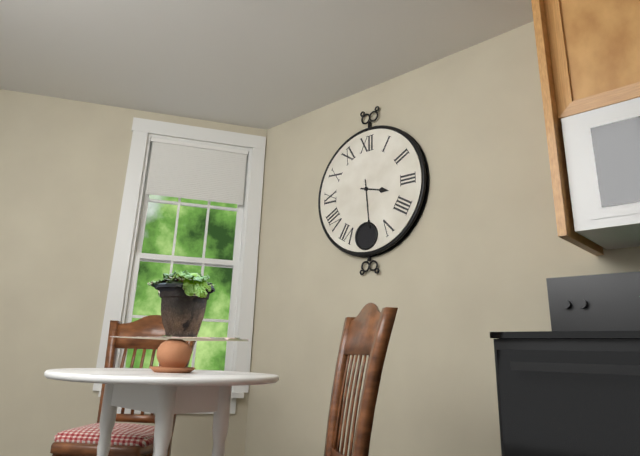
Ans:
h=3 m=29
